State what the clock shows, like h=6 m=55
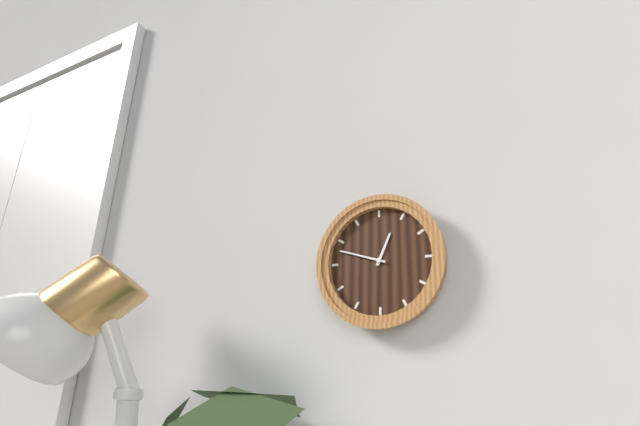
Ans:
h=12 m=48
